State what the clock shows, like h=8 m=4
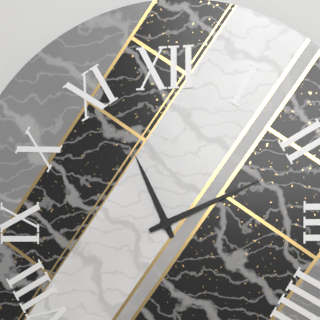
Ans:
h=11 m=11
